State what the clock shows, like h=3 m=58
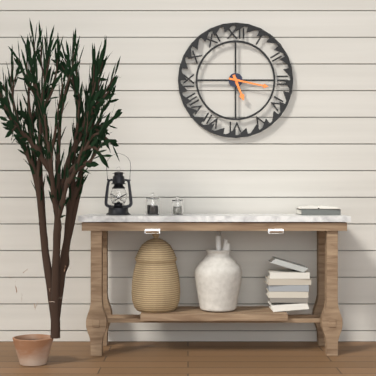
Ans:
h=5 m=17
